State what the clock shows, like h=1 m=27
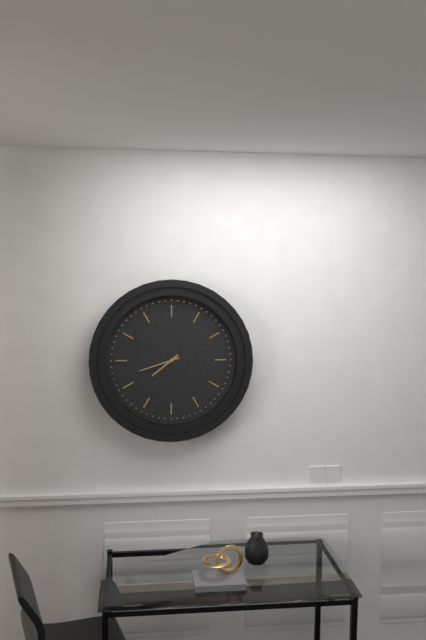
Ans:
h=7 m=42
